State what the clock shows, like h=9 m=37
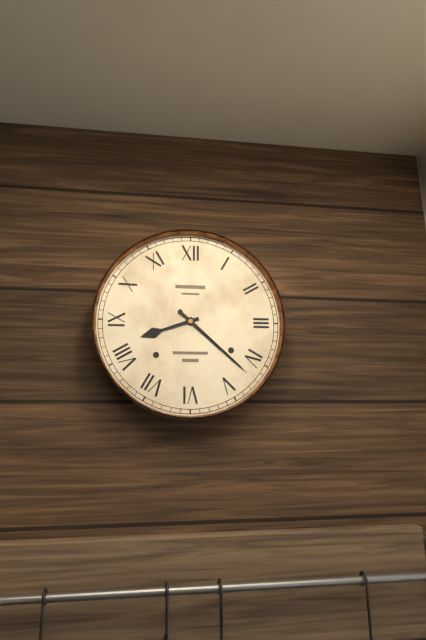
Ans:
h=8 m=22
